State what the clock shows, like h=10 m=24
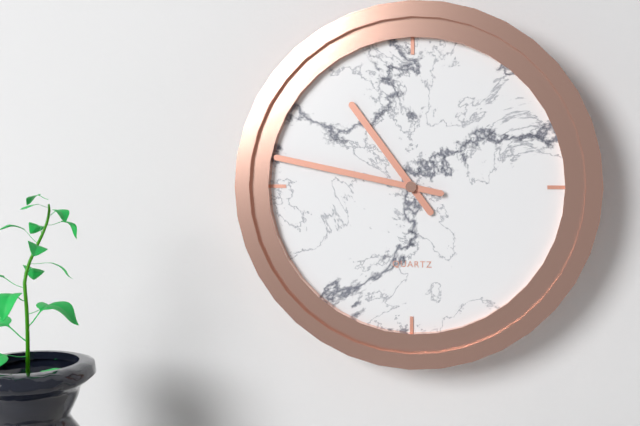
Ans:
h=10 m=47
